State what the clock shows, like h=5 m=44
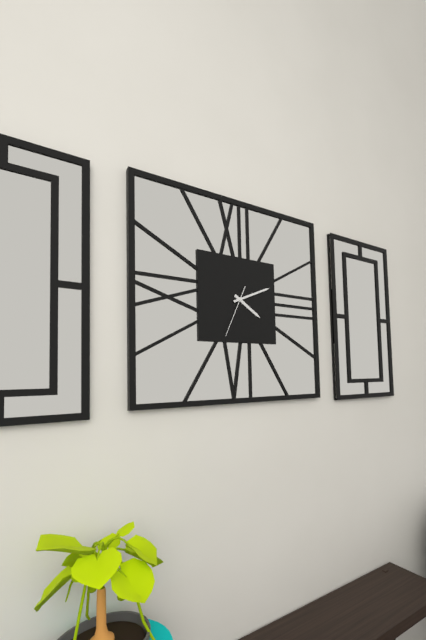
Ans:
h=4 m=11
